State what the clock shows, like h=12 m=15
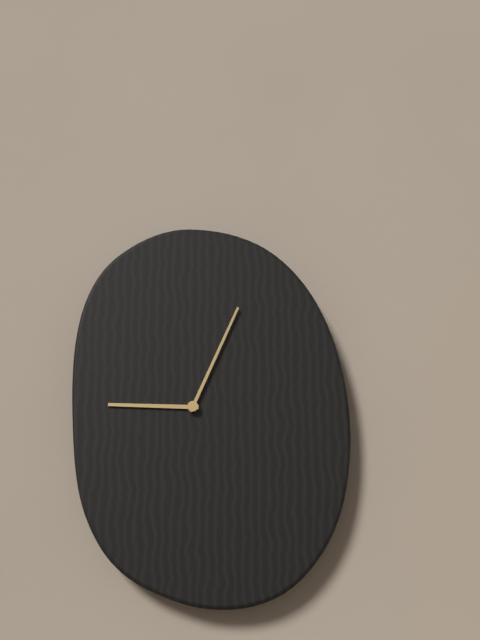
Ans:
h=9 m=4
